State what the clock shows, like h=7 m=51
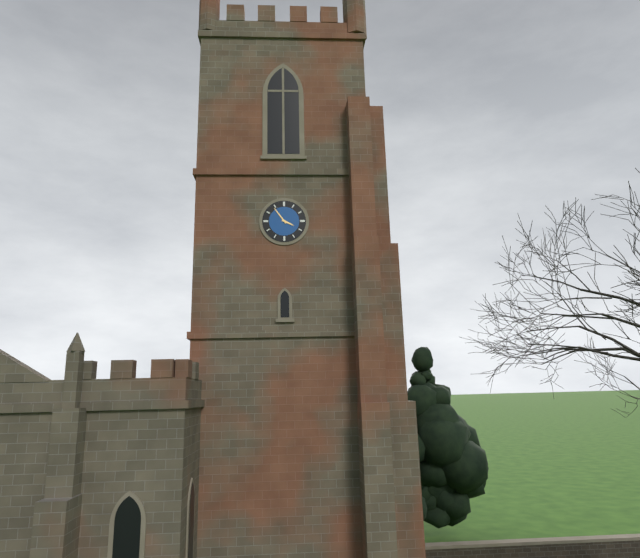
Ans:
h=3 m=54
